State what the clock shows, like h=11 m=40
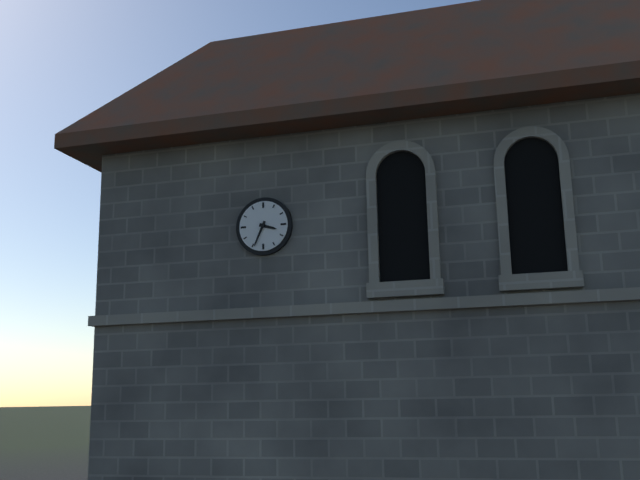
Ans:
h=3 m=34
